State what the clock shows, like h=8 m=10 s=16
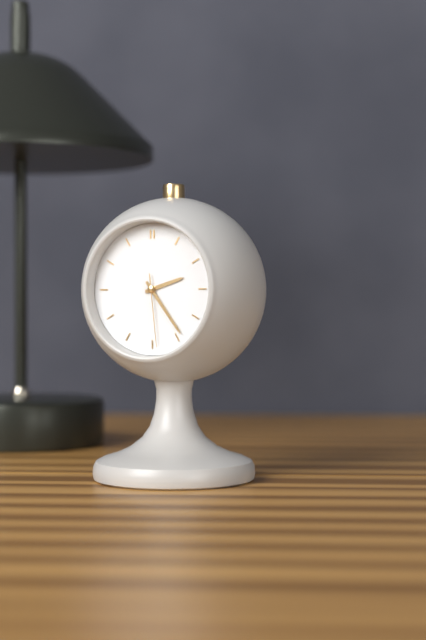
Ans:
h=2 m=24 s=29
